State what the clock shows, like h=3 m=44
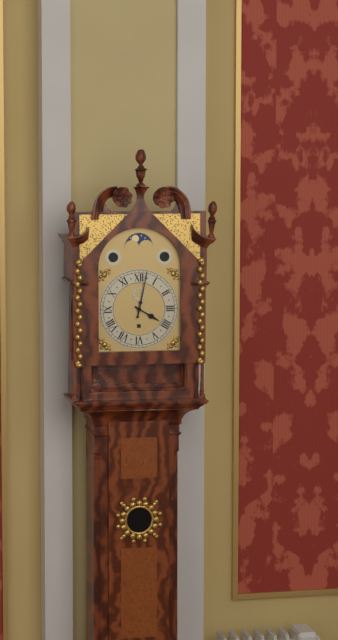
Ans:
h=4 m=2
